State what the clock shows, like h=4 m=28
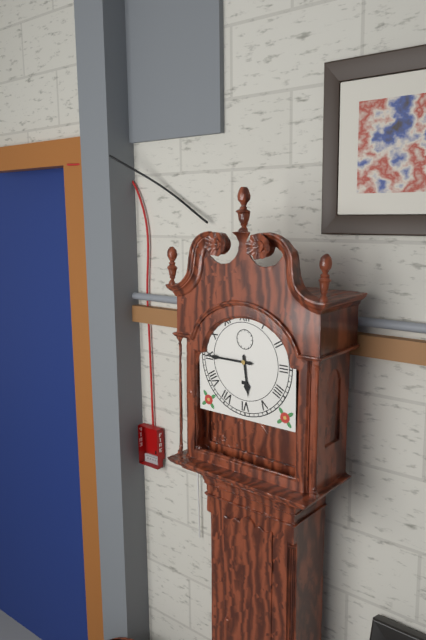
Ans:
h=5 m=45
